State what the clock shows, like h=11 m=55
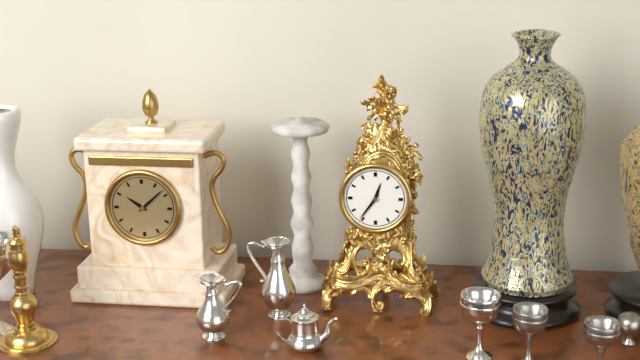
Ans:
h=12 m=36
